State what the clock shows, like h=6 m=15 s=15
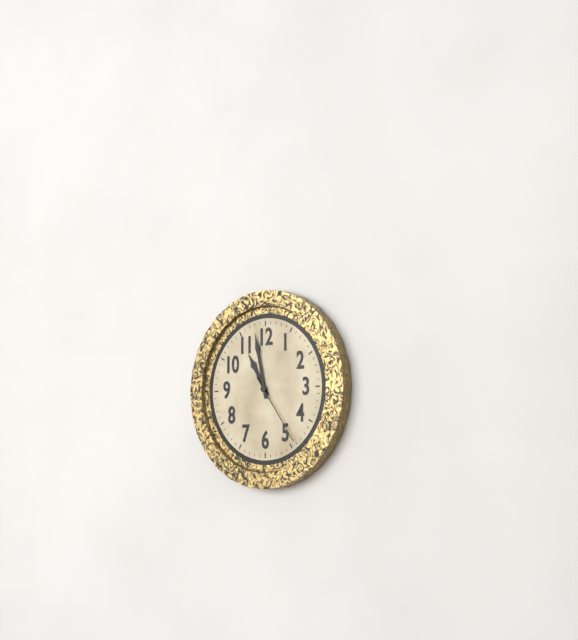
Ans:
h=10 m=58 s=24
